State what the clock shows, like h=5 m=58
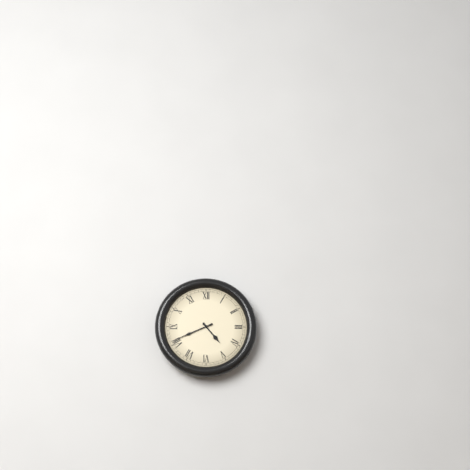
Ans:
h=4 m=41
